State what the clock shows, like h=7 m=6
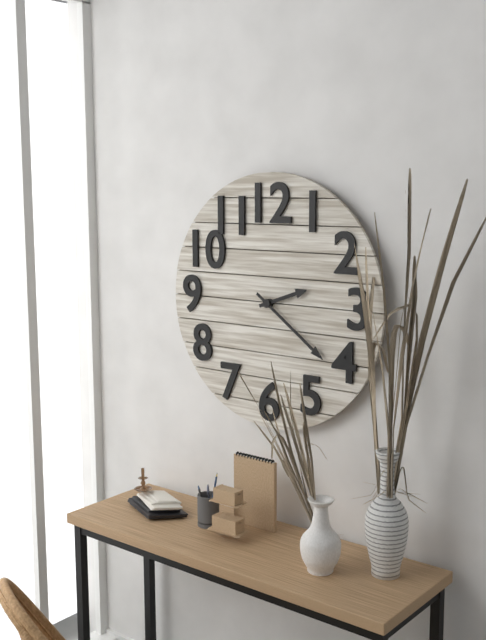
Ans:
h=2 m=21
